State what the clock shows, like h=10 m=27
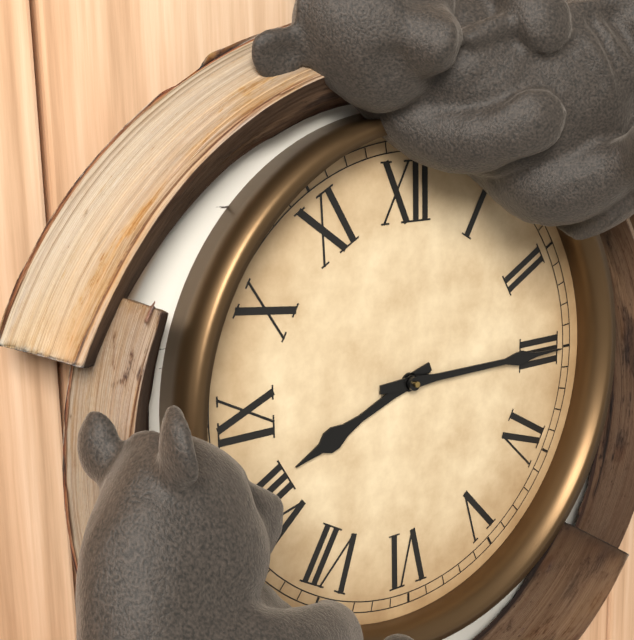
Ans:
h=8 m=15
